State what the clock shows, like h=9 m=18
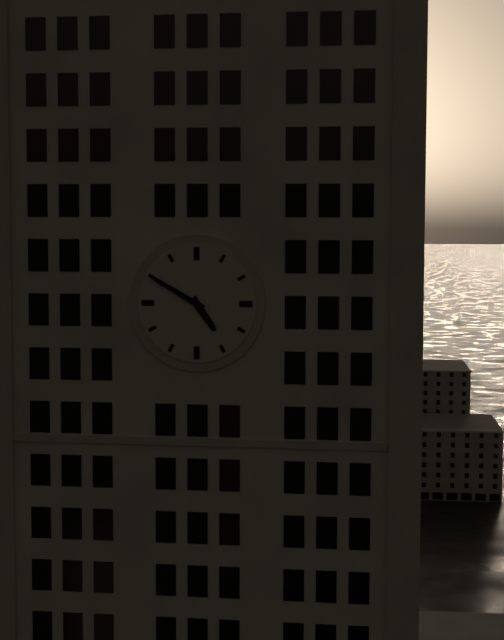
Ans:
h=4 m=50
